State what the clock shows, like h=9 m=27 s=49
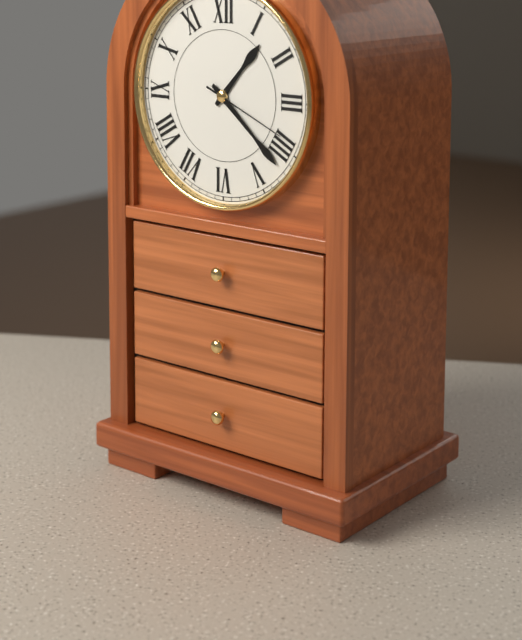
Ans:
h=1 m=22 s=19
